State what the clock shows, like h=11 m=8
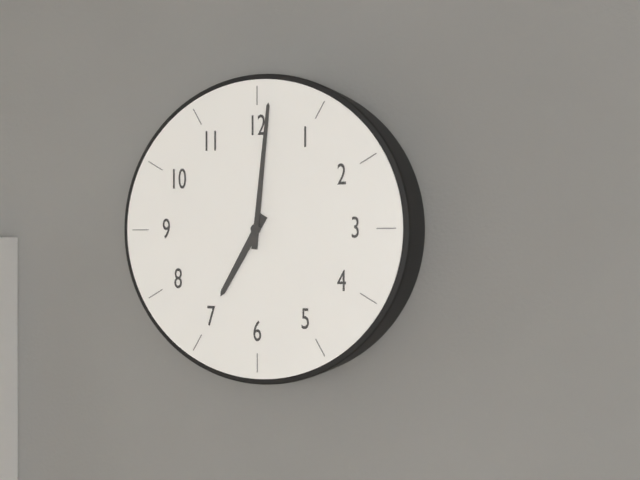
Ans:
h=7 m=1
